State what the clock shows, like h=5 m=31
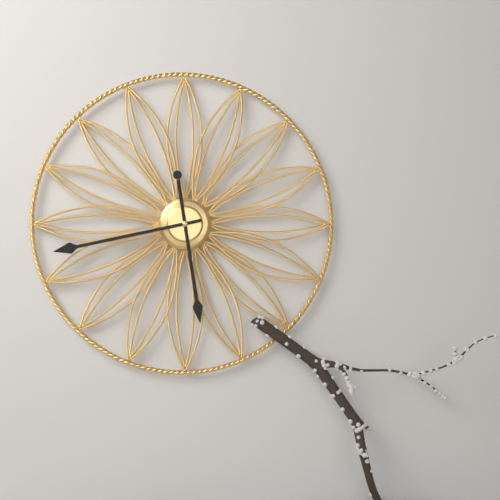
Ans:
h=5 m=43
